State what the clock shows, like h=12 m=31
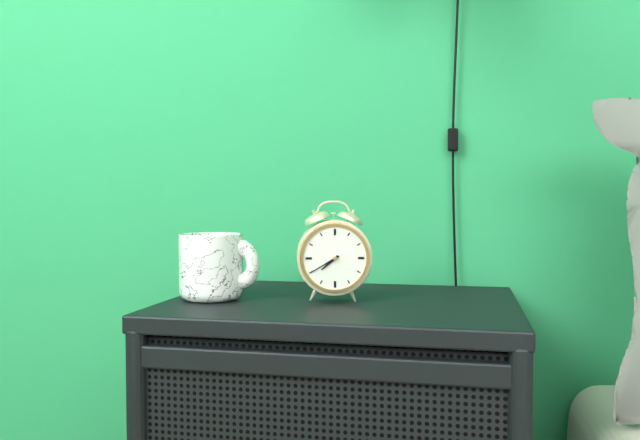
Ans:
h=7 m=40
